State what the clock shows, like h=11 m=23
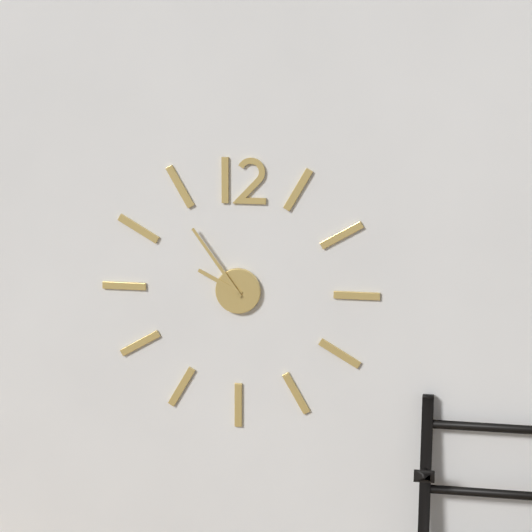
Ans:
h=9 m=54
